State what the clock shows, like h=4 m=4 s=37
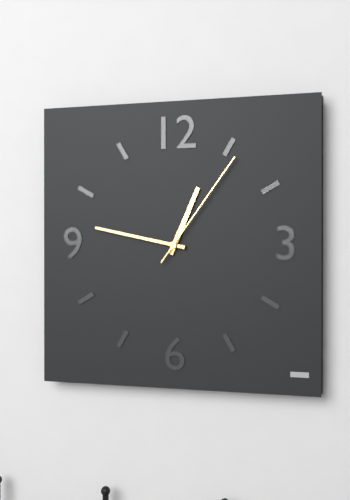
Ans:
h=12 m=47 s=6
